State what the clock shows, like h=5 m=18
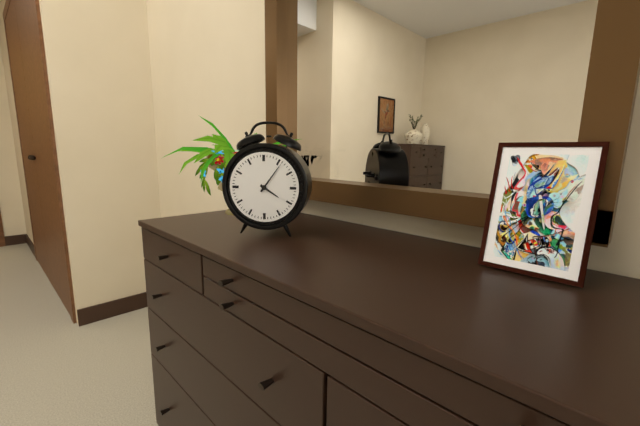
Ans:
h=4 m=6
